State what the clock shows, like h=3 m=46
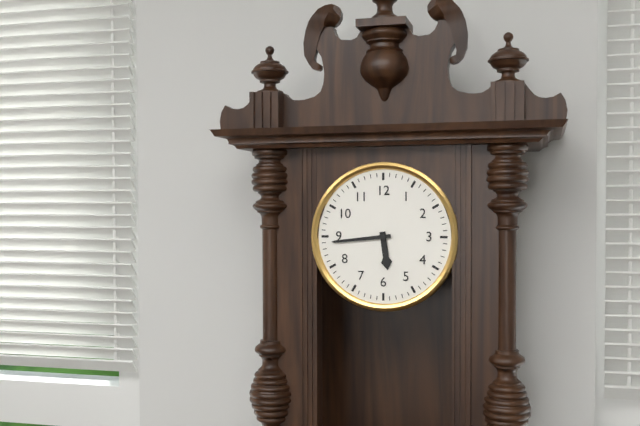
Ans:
h=5 m=44
